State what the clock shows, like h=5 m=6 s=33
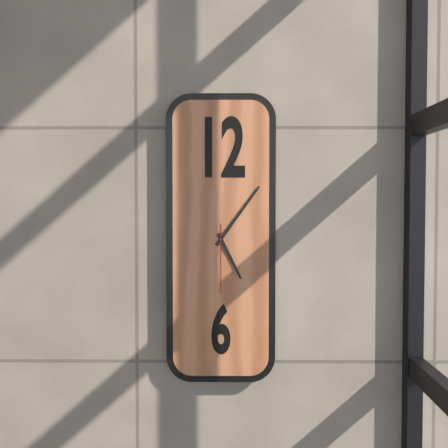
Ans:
h=5 m=6 s=30
